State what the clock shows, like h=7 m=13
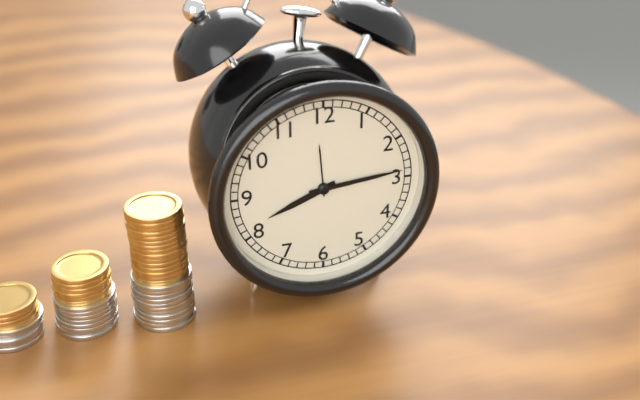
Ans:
h=8 m=14
